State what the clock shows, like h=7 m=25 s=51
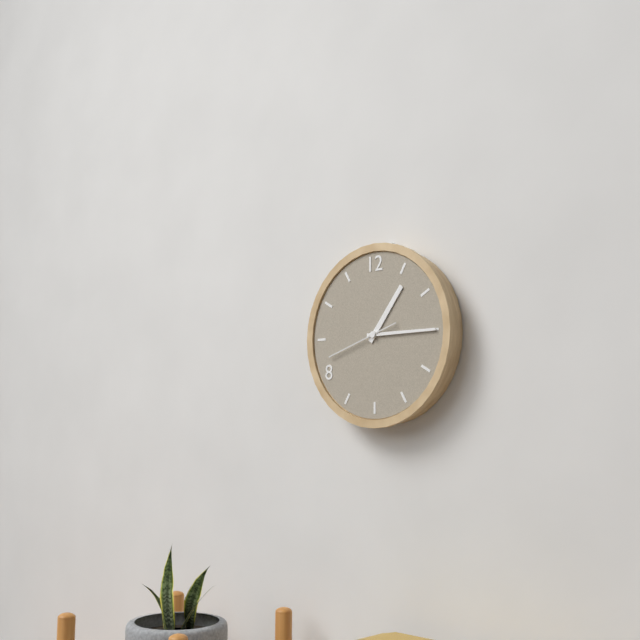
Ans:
h=1 m=15 s=42
